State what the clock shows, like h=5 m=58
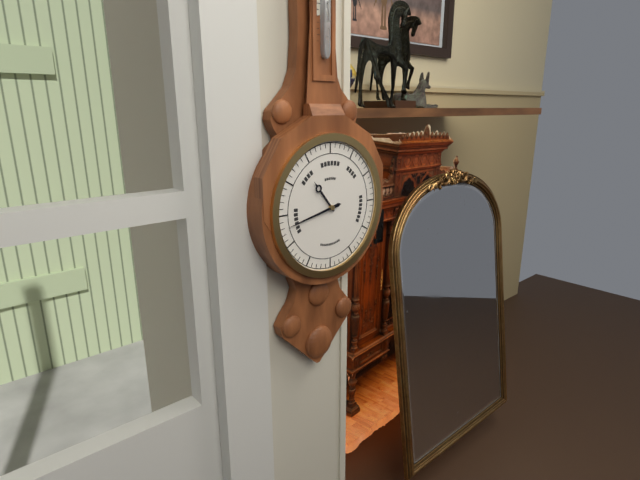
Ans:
h=10 m=43
